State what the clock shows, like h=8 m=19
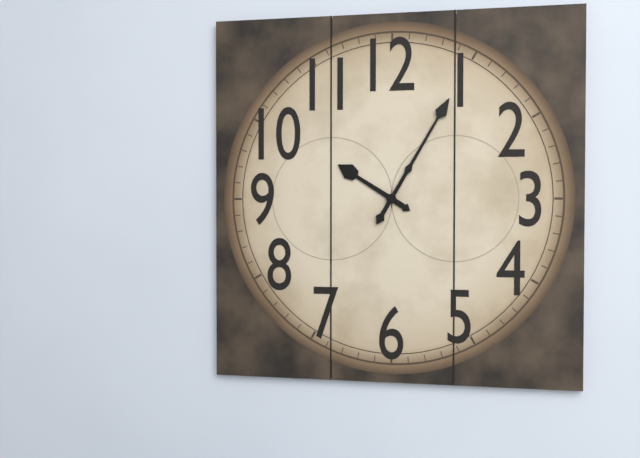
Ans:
h=10 m=5
